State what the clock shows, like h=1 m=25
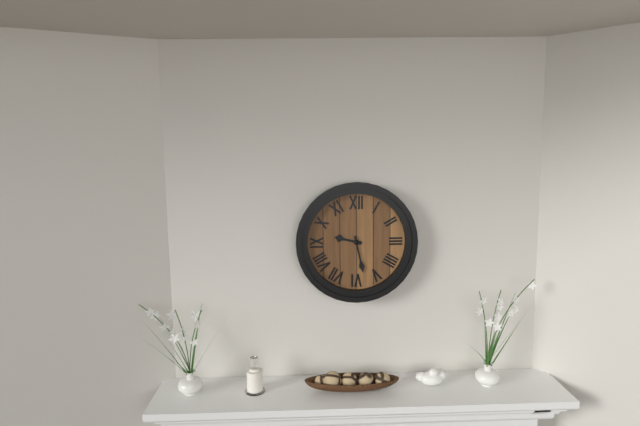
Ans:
h=9 m=28
